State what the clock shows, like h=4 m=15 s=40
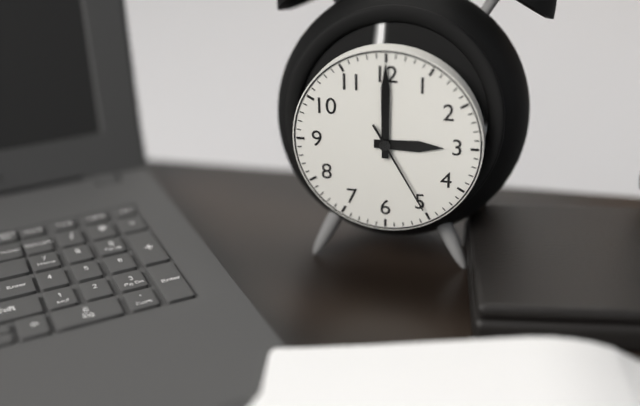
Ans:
h=3 m=0 s=25
